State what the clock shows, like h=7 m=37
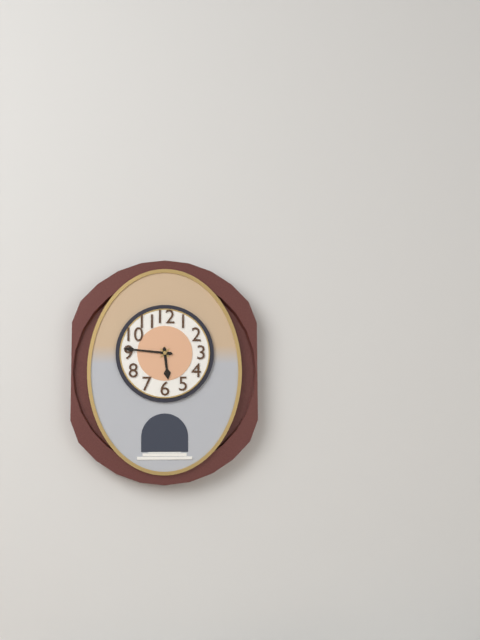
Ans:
h=5 m=46
